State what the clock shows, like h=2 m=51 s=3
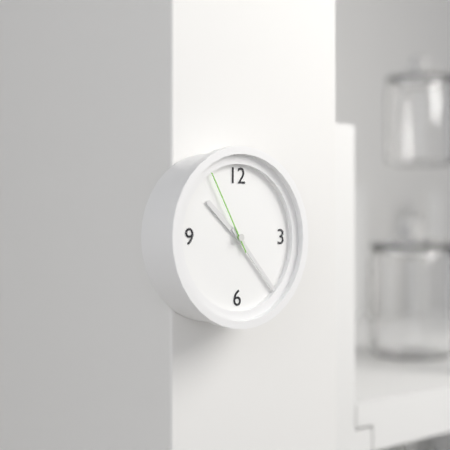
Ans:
h=10 m=23 s=55
